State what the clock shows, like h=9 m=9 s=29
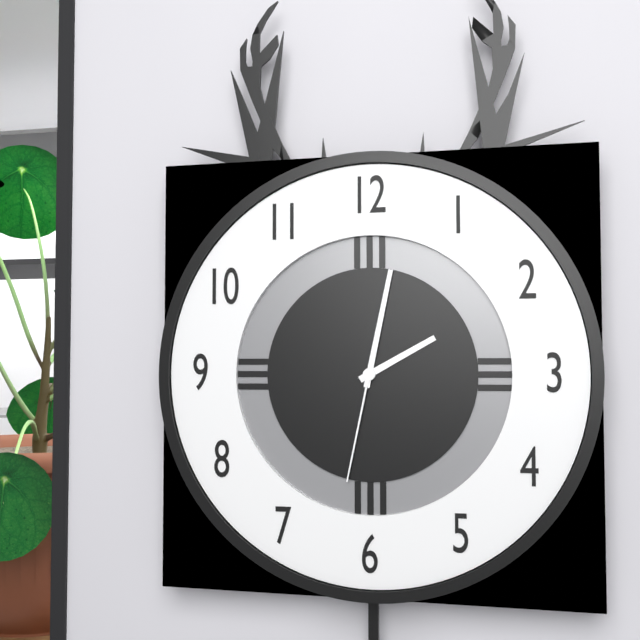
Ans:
h=2 m=2 s=32
